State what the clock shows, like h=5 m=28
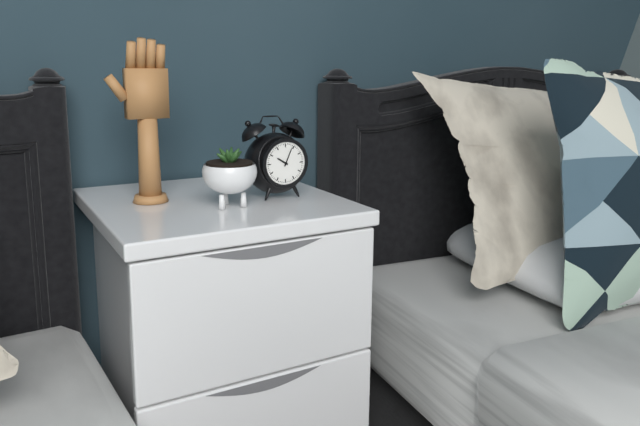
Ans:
h=10 m=4
